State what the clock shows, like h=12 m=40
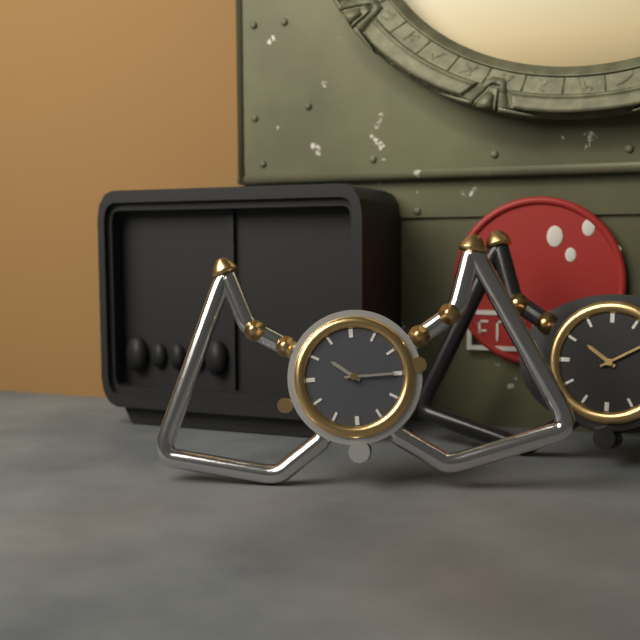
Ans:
h=10 m=15
